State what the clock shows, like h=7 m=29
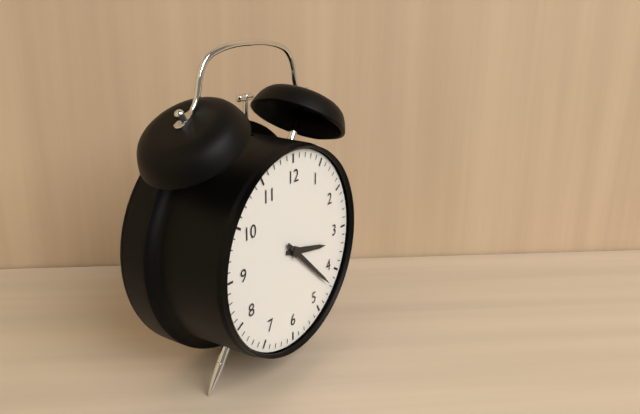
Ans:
h=3 m=22
